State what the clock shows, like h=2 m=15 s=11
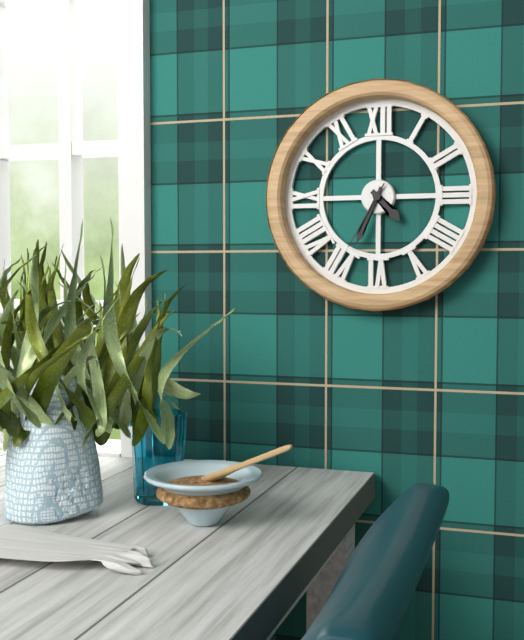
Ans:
h=4 m=34 s=35
